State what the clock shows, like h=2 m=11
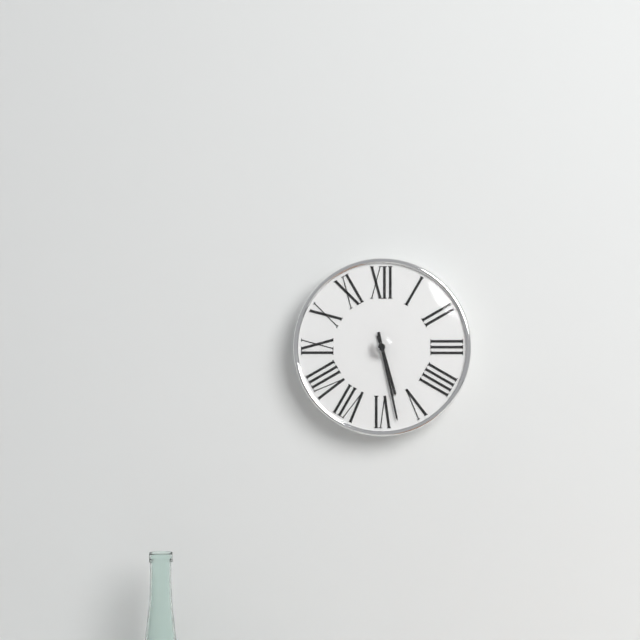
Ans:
h=5 m=28
